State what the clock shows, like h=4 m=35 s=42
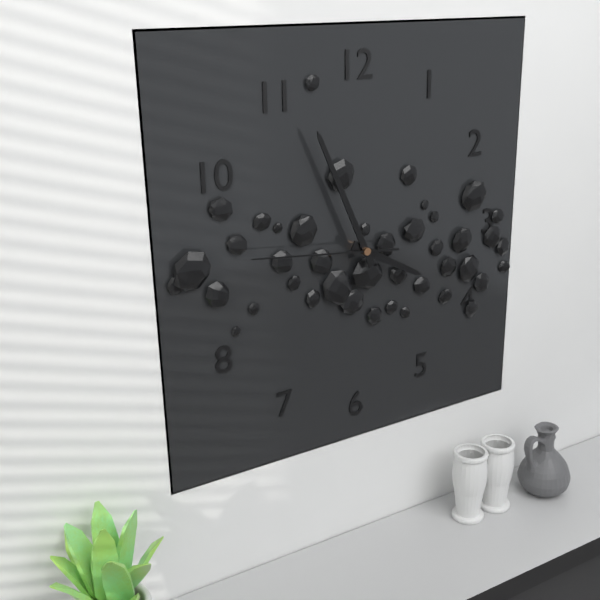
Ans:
h=3 m=56 s=46
